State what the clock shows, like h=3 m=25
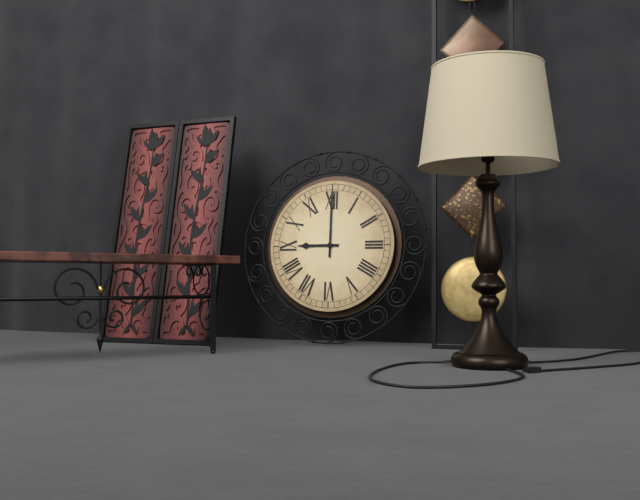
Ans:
h=9 m=0
